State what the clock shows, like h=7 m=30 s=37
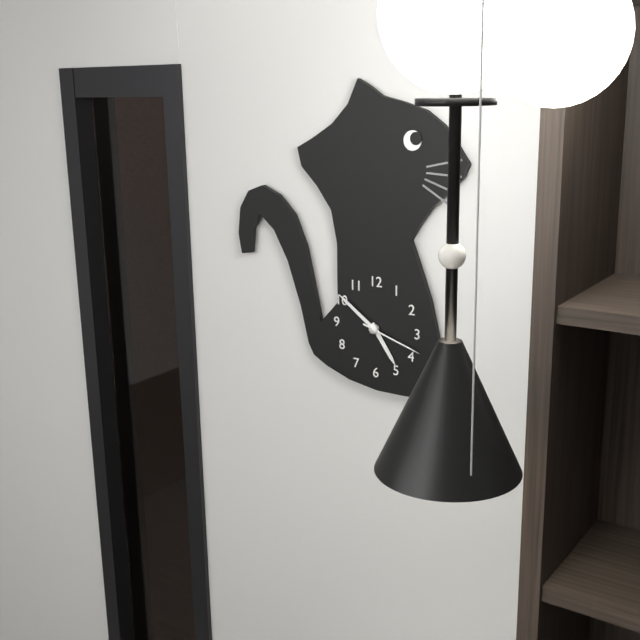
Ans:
h=4 m=51 s=18
